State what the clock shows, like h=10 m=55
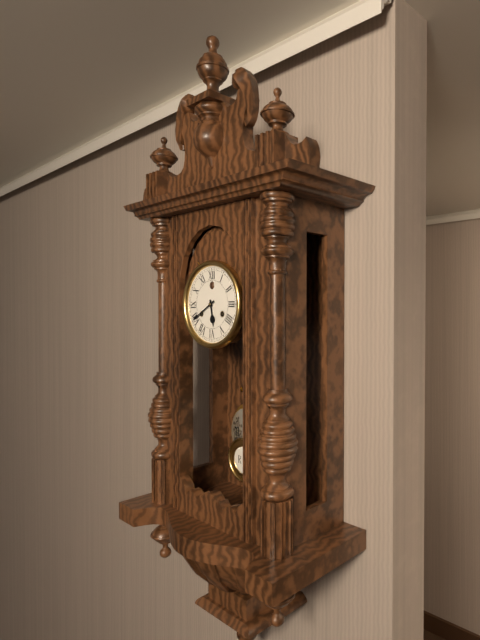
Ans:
h=5 m=40
